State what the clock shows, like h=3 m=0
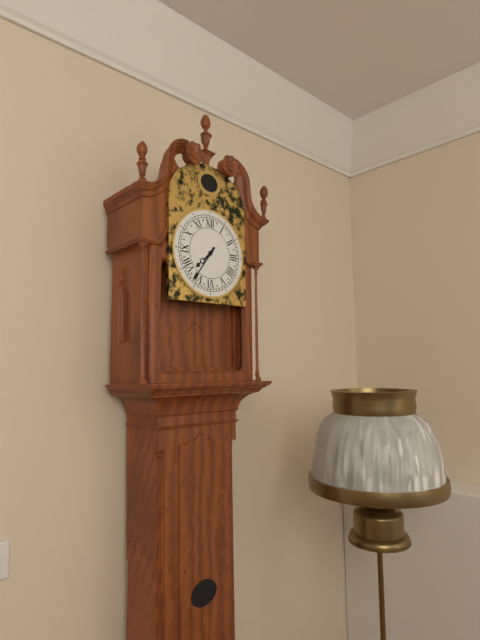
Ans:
h=7 m=36
